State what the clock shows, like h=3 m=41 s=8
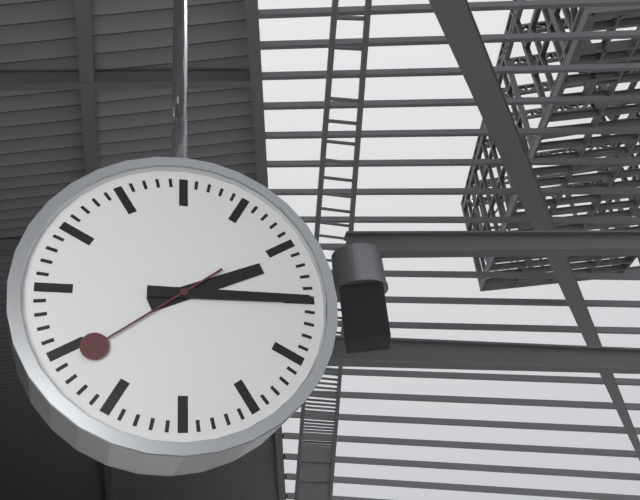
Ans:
h=2 m=15 s=39
